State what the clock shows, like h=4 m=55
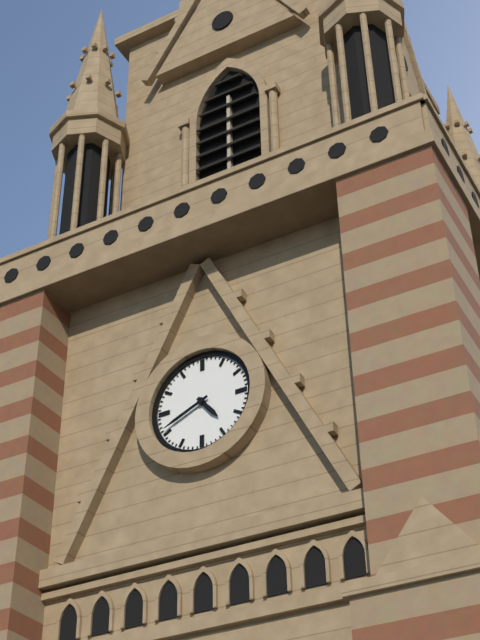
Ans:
h=4 m=41
